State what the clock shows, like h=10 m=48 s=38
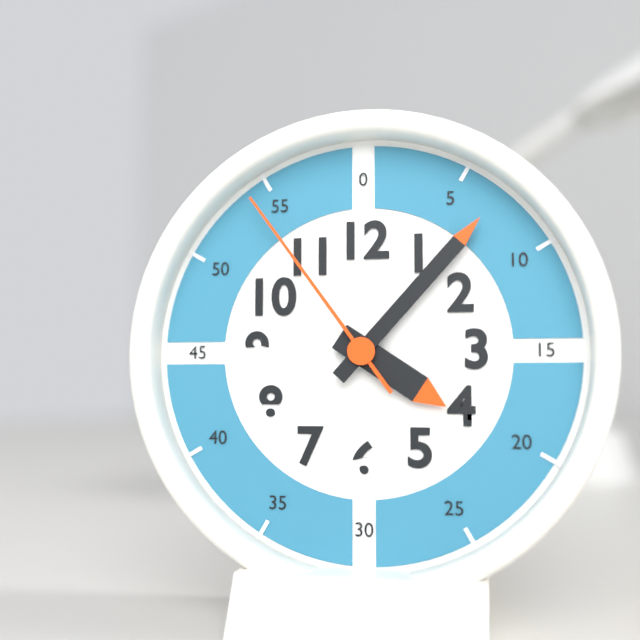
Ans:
h=4 m=7 s=54
